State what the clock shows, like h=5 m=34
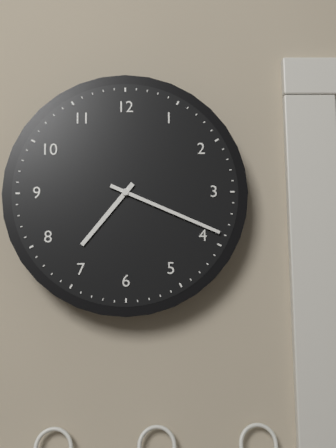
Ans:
h=7 m=19
